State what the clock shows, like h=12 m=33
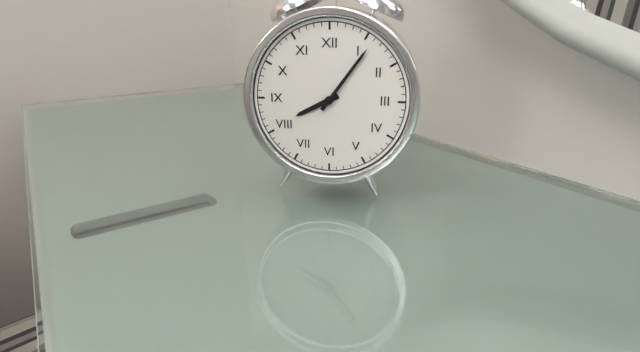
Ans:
h=8 m=6
